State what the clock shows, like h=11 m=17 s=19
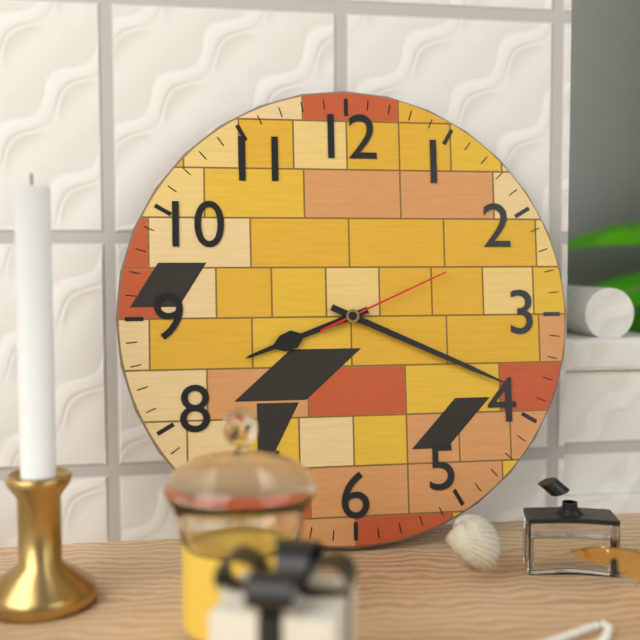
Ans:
h=8 m=19 s=11
